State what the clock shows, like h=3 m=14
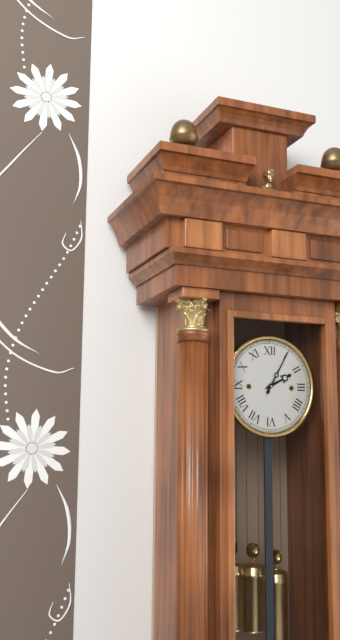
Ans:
h=2 m=5
